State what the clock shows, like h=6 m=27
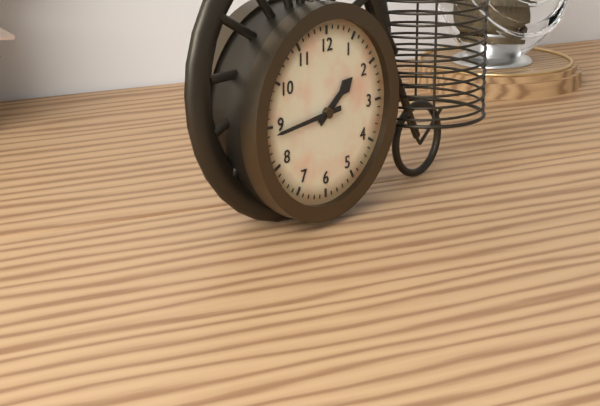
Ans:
h=1 m=44
